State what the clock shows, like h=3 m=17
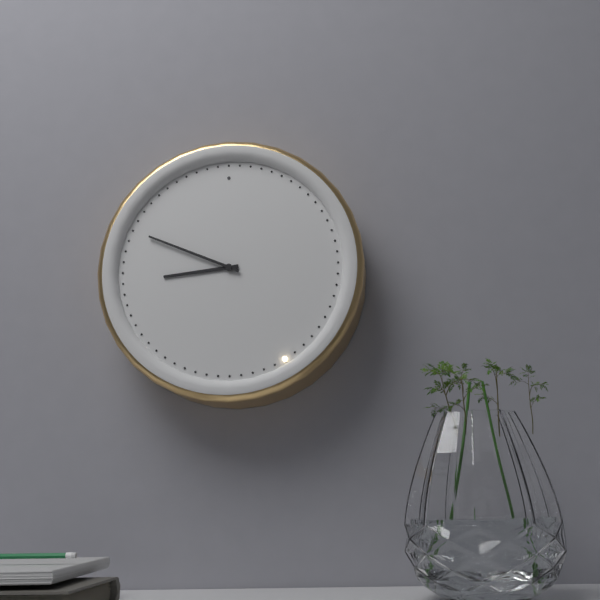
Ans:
h=8 m=49
